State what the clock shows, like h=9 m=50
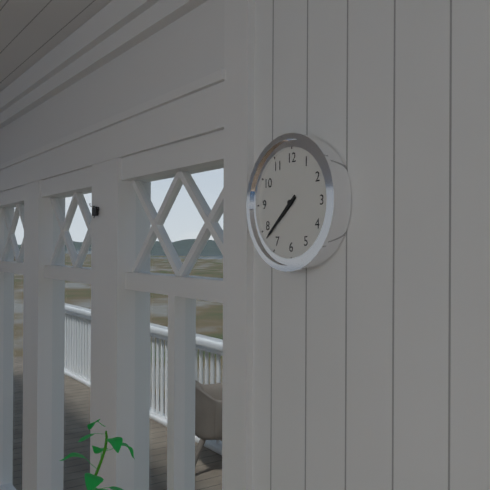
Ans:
h=7 m=38
